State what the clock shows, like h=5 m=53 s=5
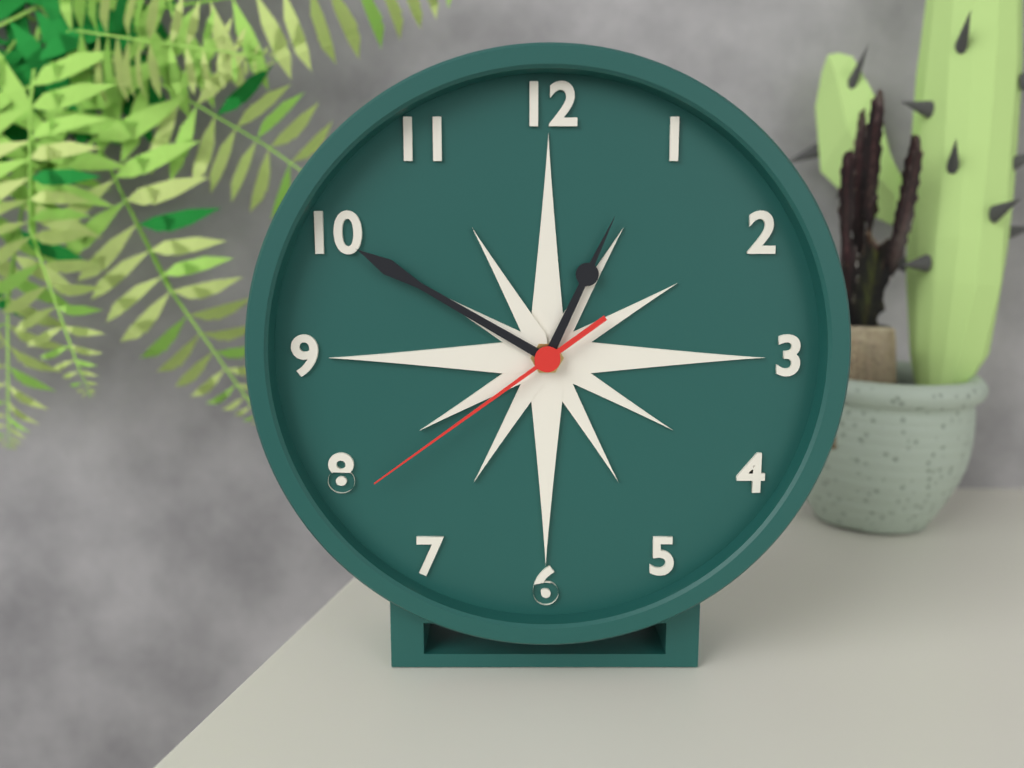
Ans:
h=12 m=50 s=39
